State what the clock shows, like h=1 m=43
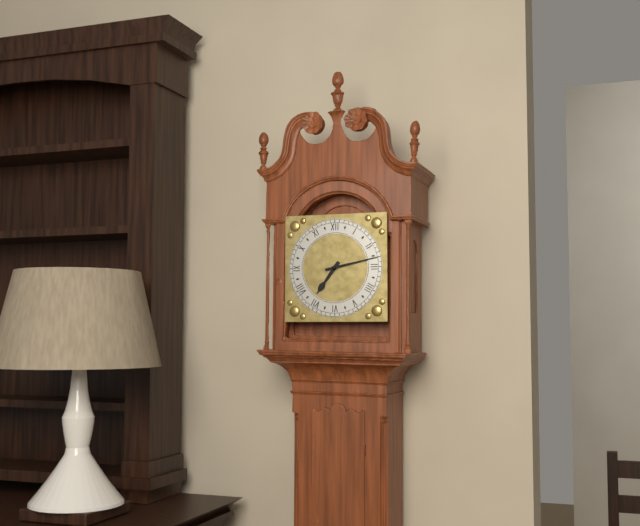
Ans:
h=7 m=13
